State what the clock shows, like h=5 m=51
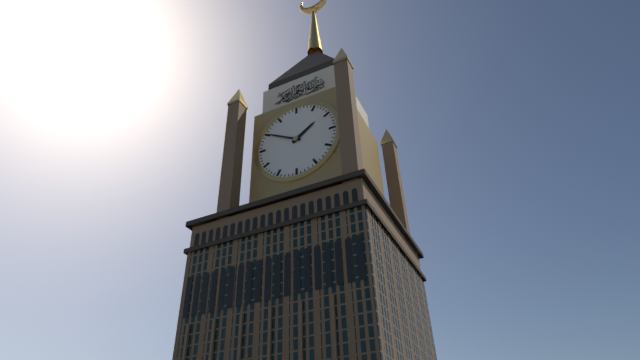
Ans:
h=1 m=50
